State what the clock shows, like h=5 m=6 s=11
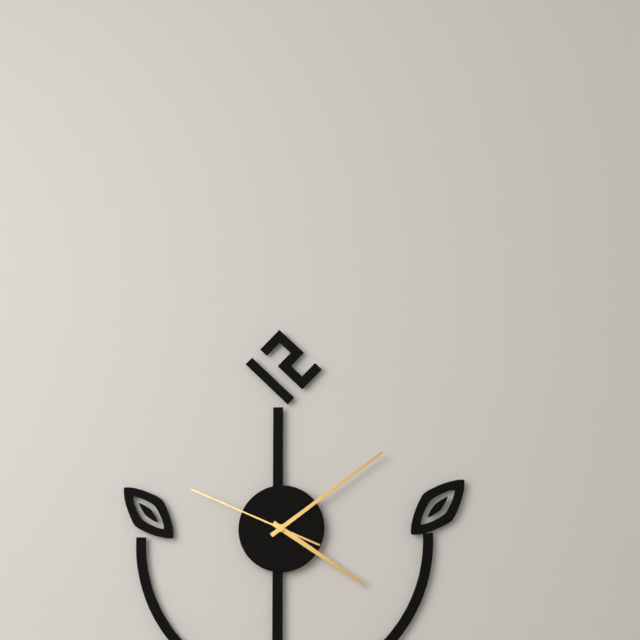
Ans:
h=4 m=9 s=49
